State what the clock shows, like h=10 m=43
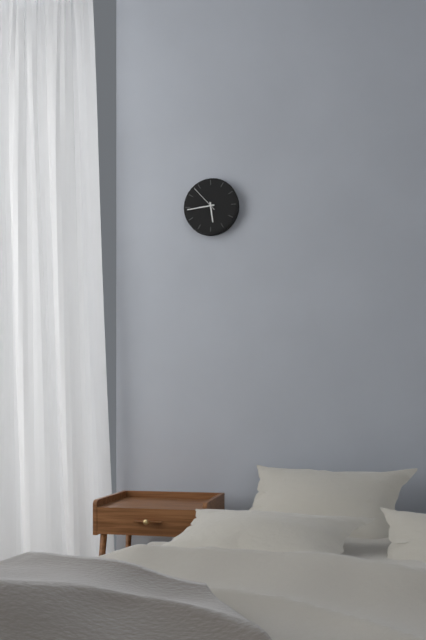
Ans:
h=5 m=44
